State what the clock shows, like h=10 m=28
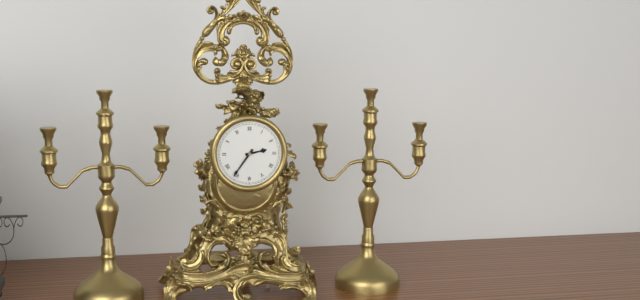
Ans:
h=2 m=36
